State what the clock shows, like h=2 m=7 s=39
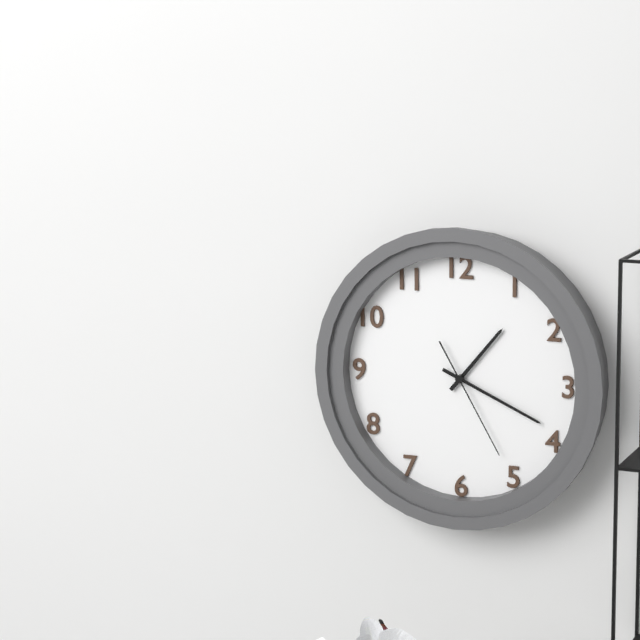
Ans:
h=1 m=19 s=25
